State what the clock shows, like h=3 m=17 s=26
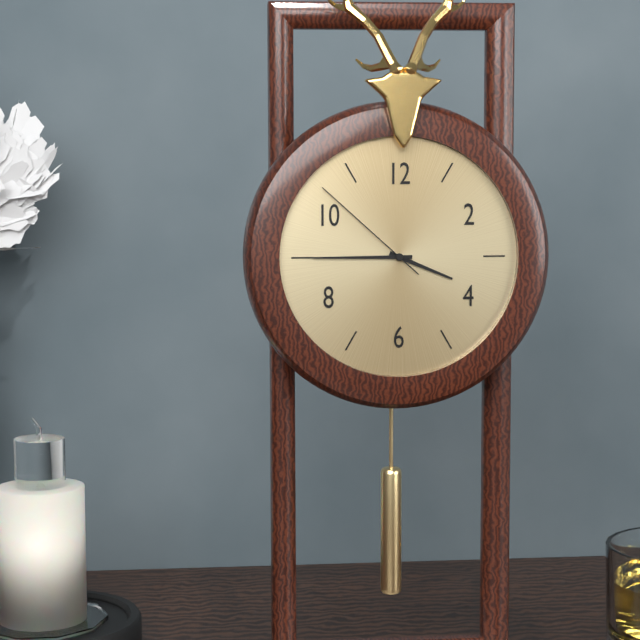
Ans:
h=3 m=45 s=52
